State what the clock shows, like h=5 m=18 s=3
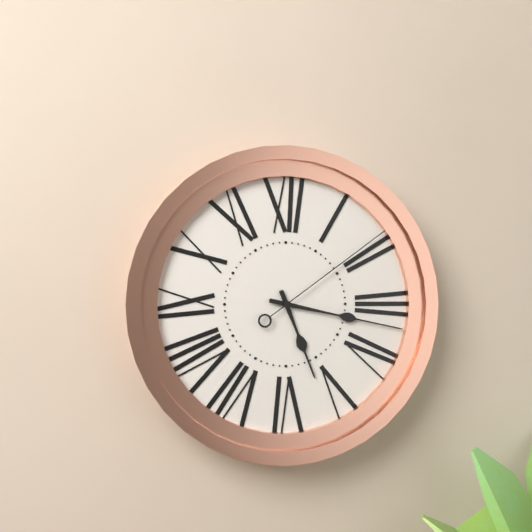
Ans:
h=5 m=17 s=9
